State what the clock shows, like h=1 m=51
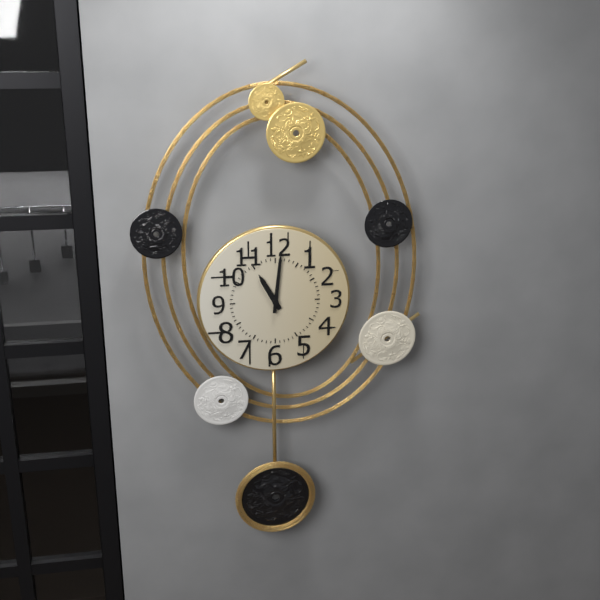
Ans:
h=11 m=1
